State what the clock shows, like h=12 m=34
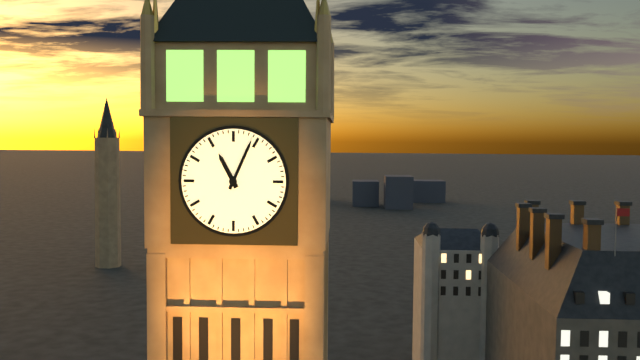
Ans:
h=11 m=4
